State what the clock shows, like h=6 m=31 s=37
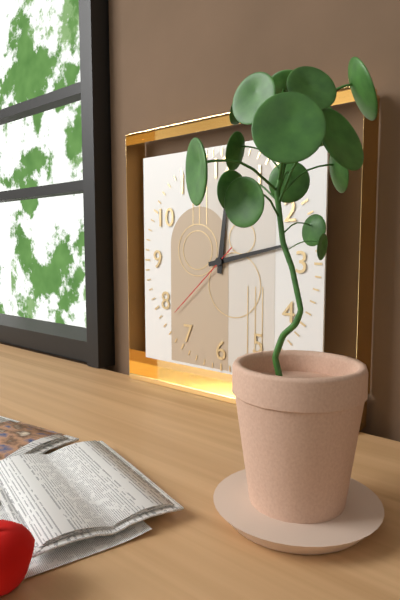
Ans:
h=12 m=13 s=38
